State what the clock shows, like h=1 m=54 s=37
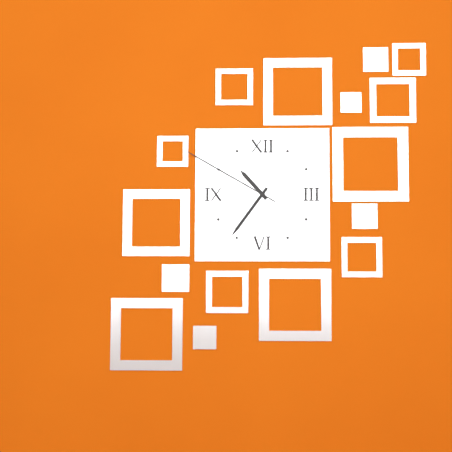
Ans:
h=10 m=36 s=50
